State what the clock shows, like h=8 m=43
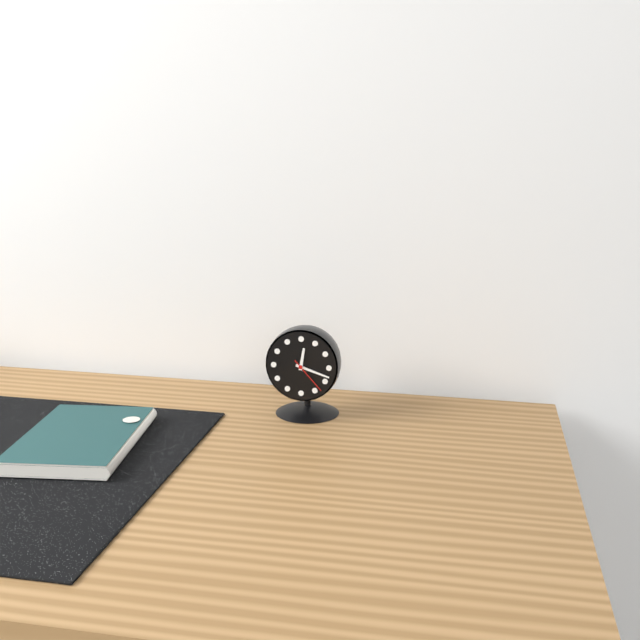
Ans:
h=12 m=18
